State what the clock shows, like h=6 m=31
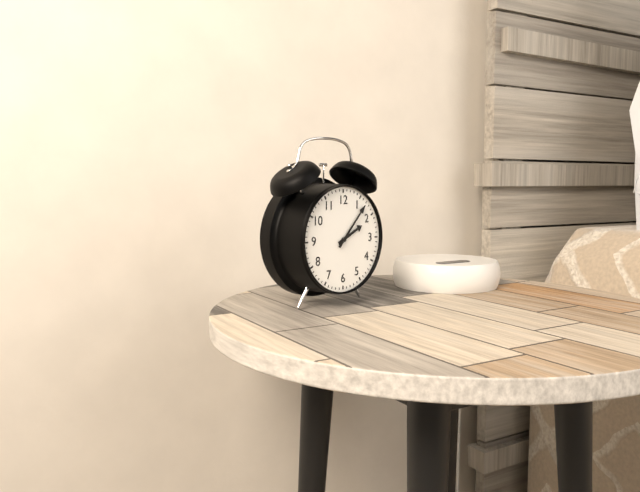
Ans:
h=2 m=7
